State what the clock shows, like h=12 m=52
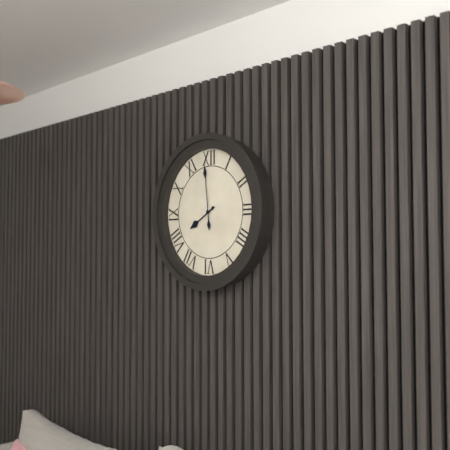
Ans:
h=7 m=59
